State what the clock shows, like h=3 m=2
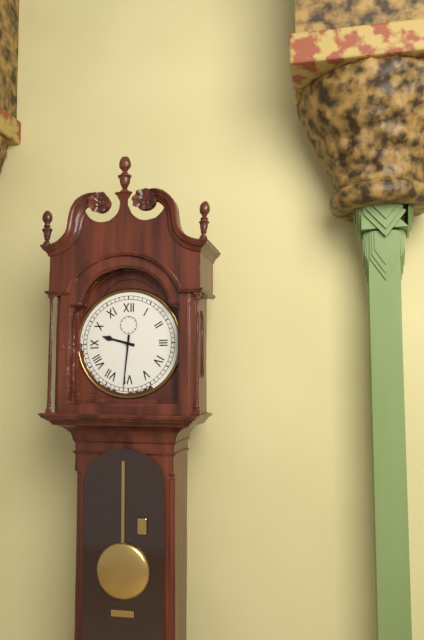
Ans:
h=9 m=31
